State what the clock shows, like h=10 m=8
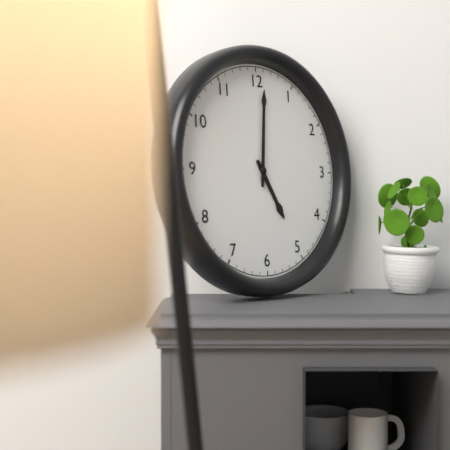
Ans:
h=5 m=1
